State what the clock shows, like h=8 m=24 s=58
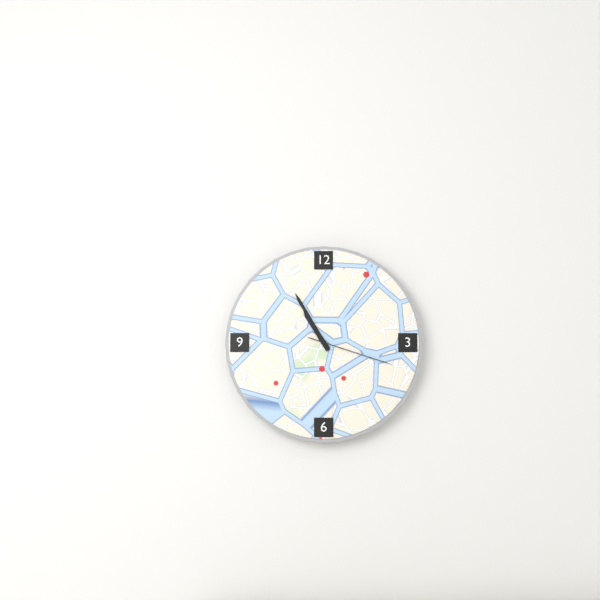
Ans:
h=10 m=55 s=18
